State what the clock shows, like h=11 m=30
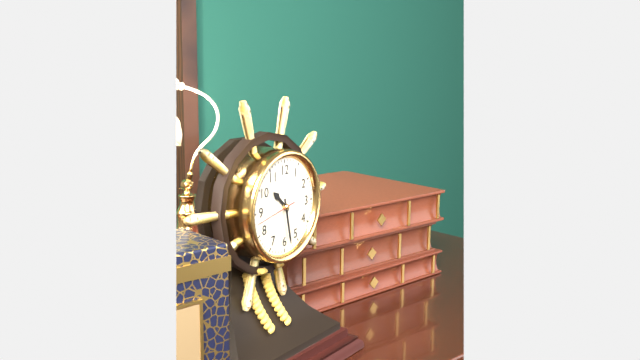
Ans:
h=10 m=28
